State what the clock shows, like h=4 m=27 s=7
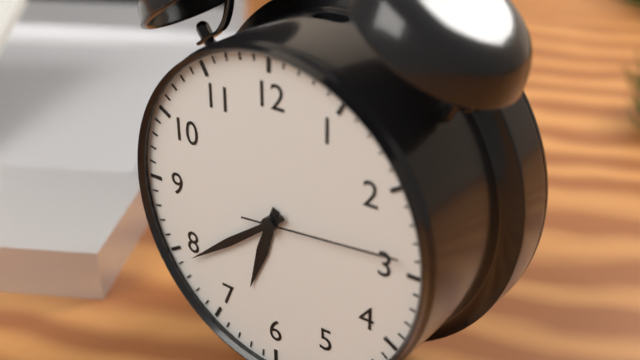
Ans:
h=6 m=39 s=14
